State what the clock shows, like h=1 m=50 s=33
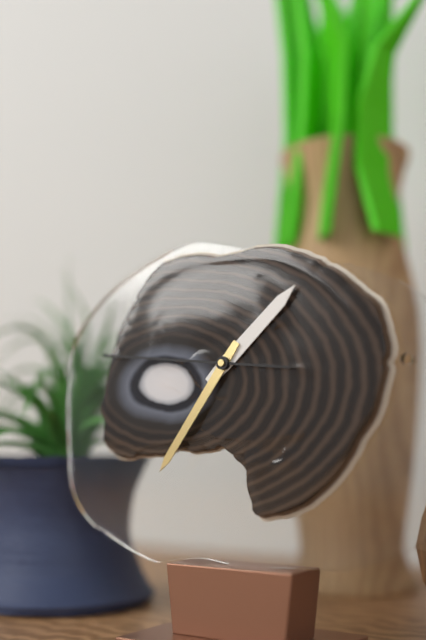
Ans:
h=1 m=36 s=46
